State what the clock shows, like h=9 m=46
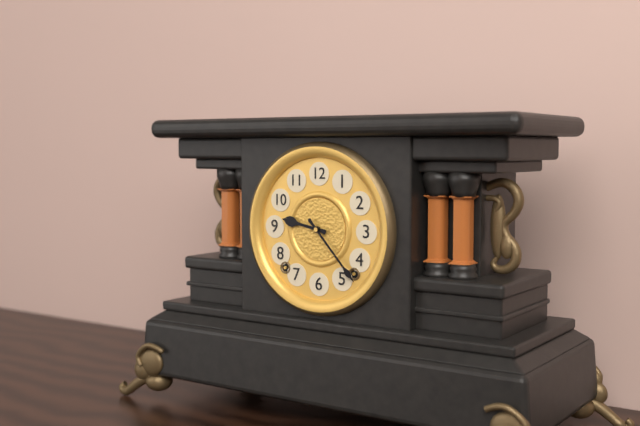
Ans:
h=9 m=23
